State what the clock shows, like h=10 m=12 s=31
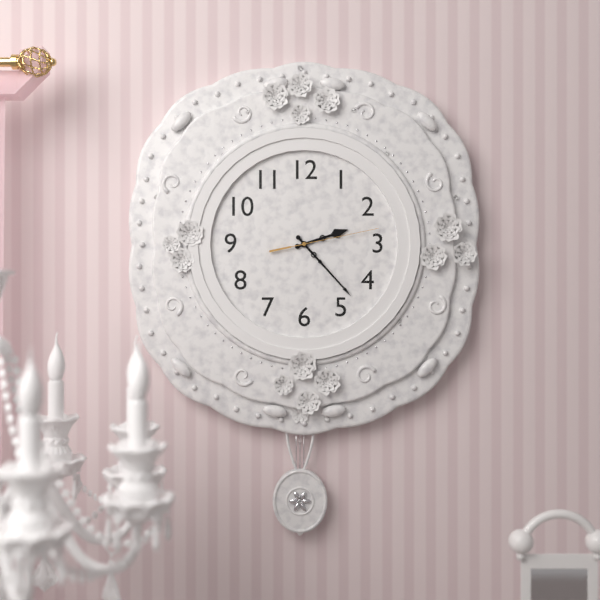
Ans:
h=2 m=23 s=13
